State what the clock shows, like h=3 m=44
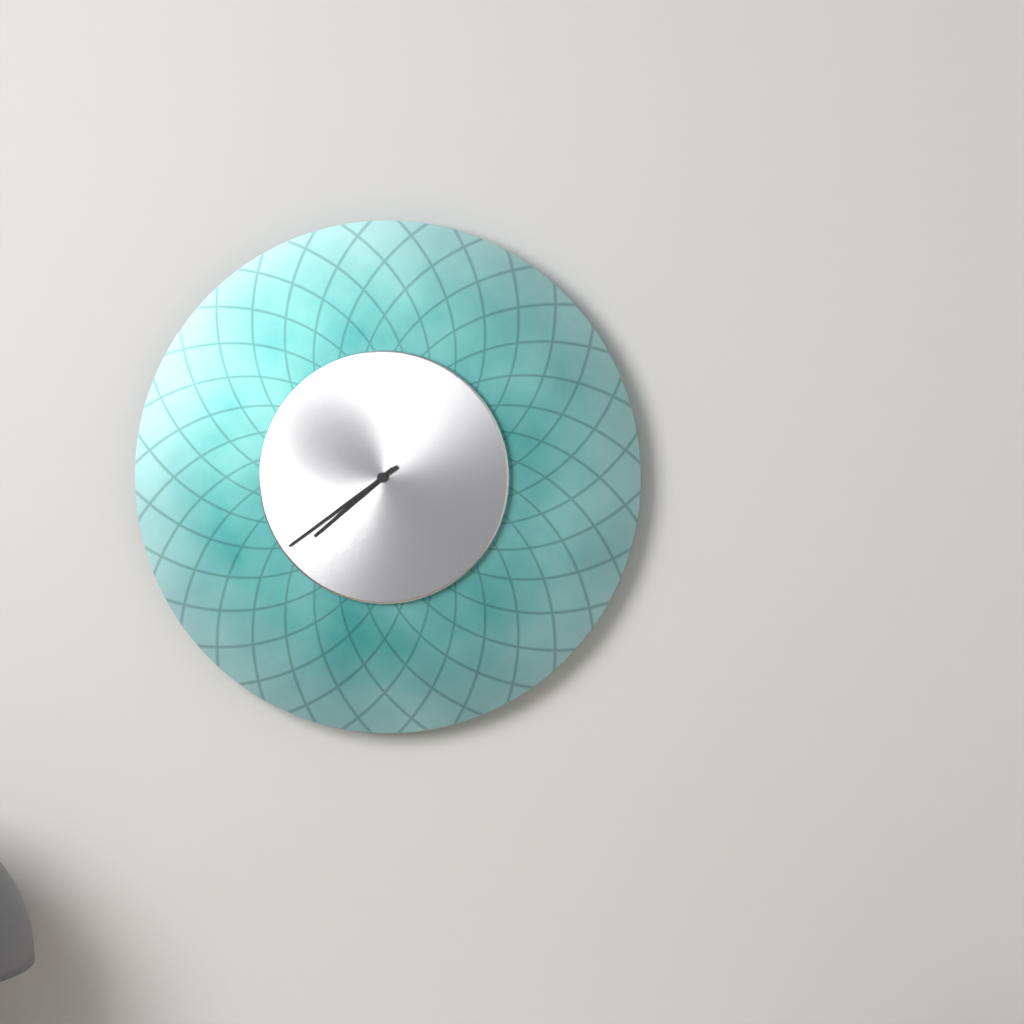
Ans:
h=7 m=39
